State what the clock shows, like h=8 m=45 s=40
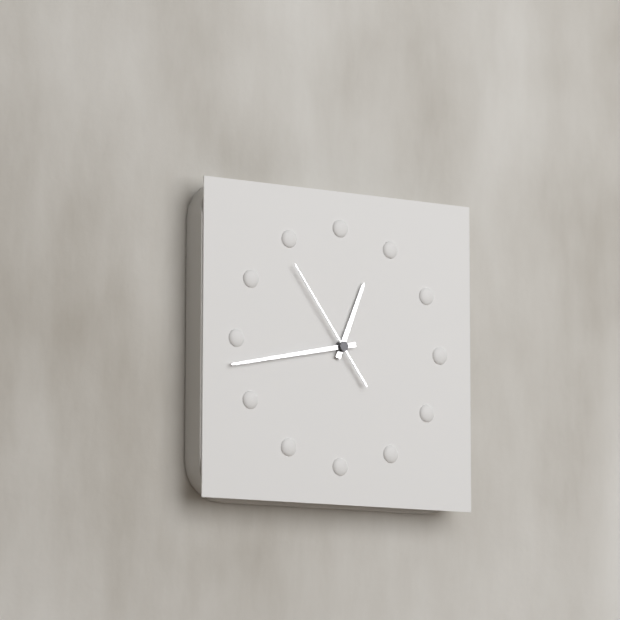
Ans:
h=12 m=43 s=54
